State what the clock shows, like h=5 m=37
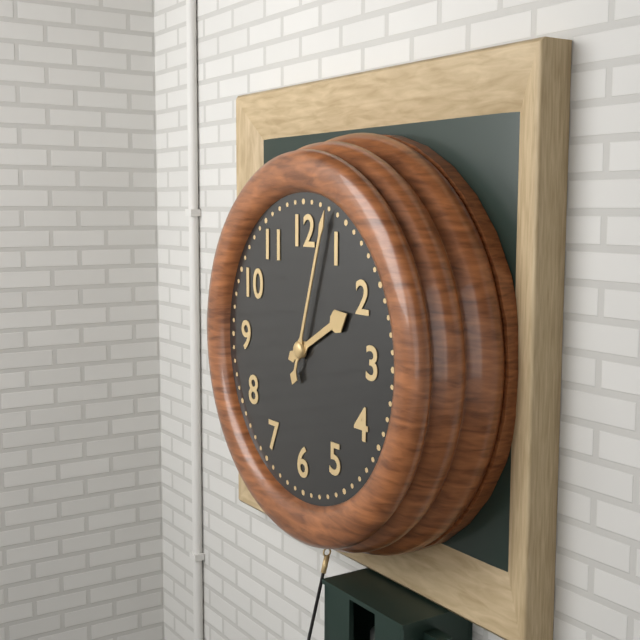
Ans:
h=2 m=3
